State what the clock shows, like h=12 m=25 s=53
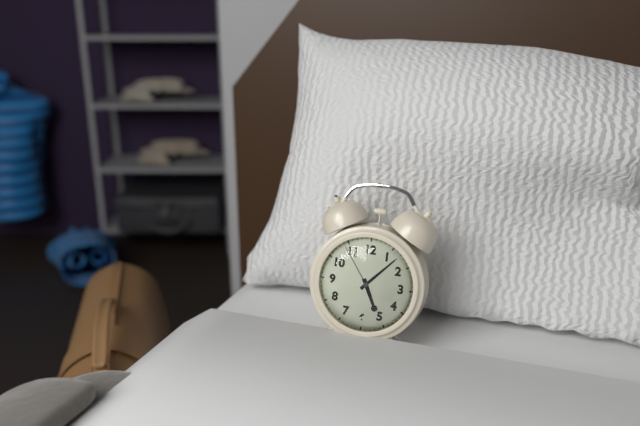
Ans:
h=5 m=7 s=54
